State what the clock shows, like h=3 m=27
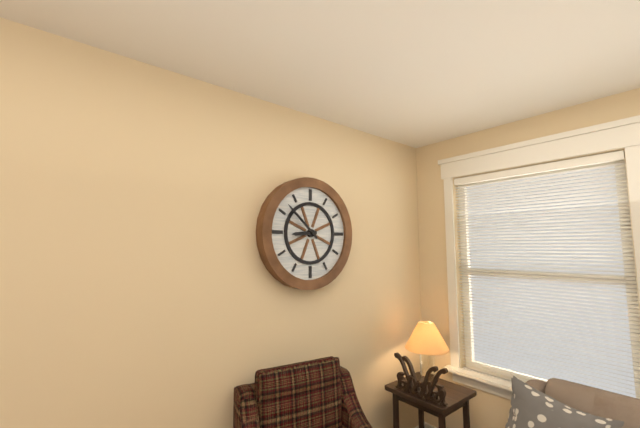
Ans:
h=8 m=52
